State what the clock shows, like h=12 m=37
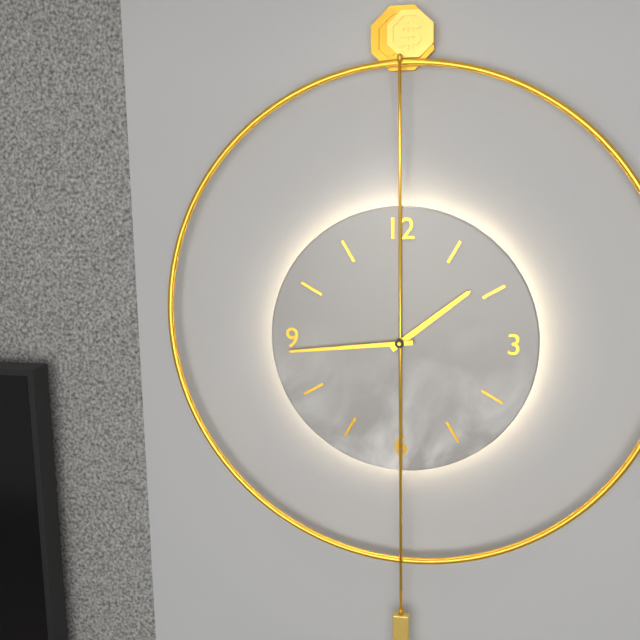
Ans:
h=1 m=44
